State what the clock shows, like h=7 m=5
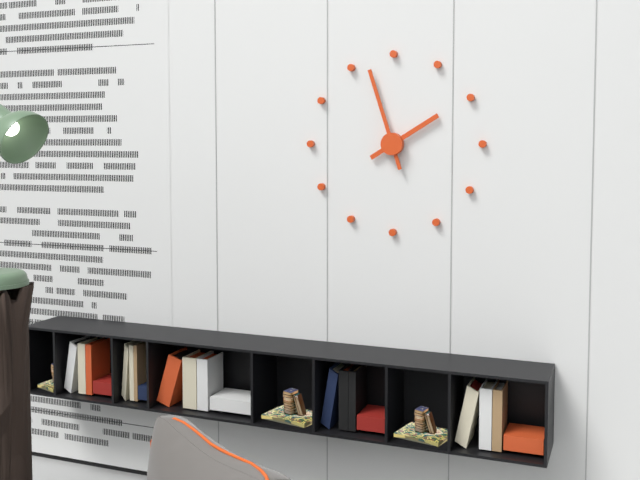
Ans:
h=1 m=57
